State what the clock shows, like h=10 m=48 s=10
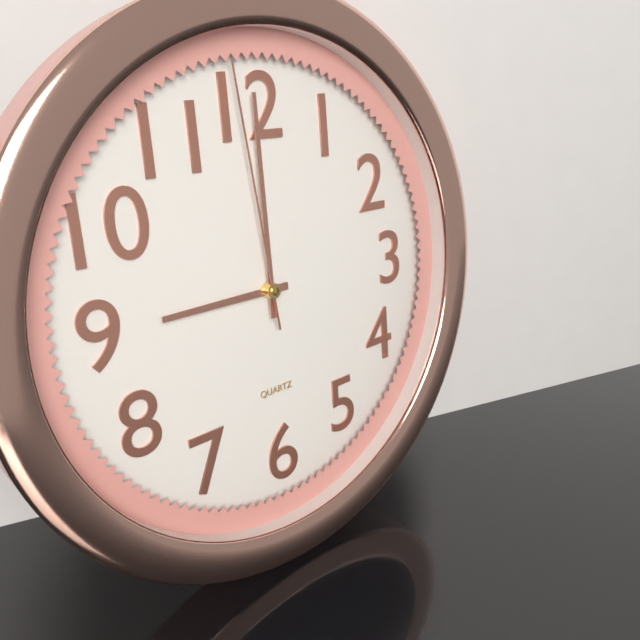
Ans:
h=9 m=0 s=59
